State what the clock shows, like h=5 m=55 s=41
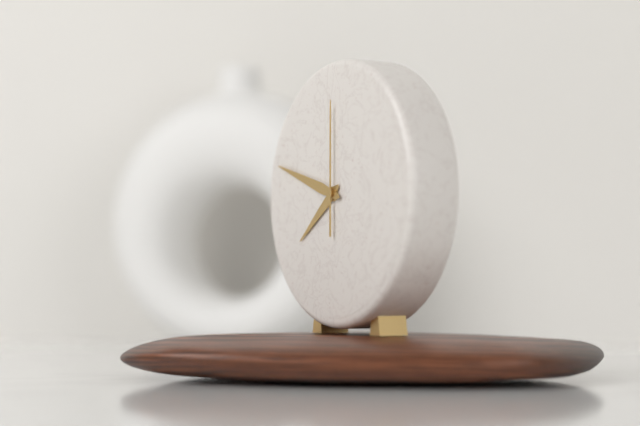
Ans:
h=7 m=48 s=0
